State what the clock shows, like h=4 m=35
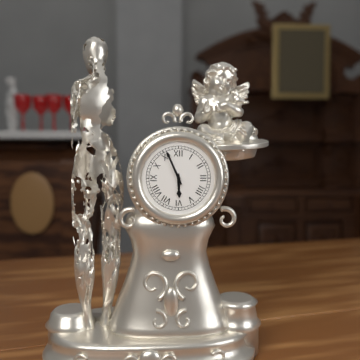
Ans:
h=5 m=56
